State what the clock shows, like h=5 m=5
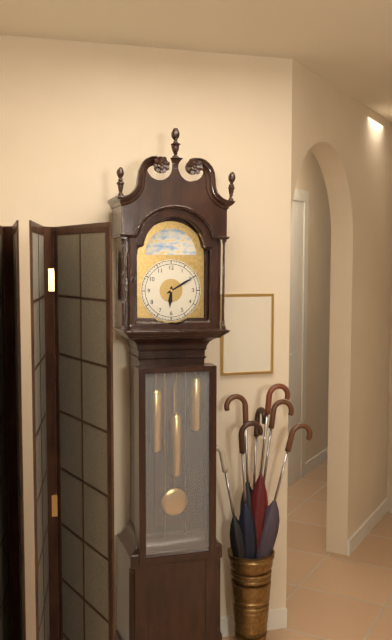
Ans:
h=6 m=10
